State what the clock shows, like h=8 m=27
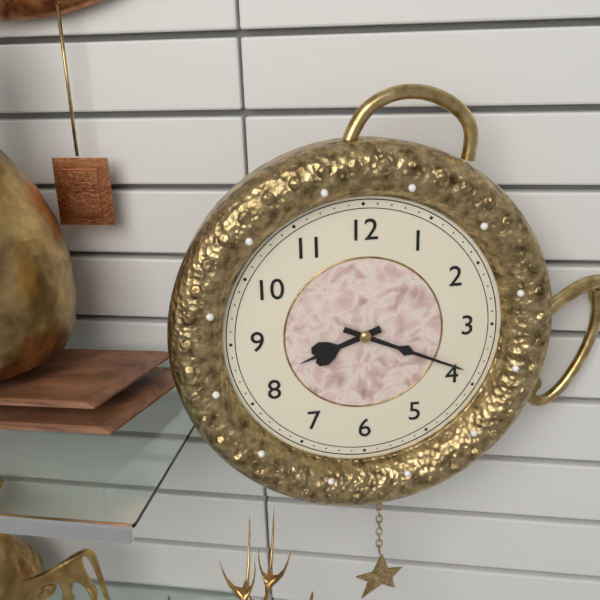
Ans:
h=8 m=19
